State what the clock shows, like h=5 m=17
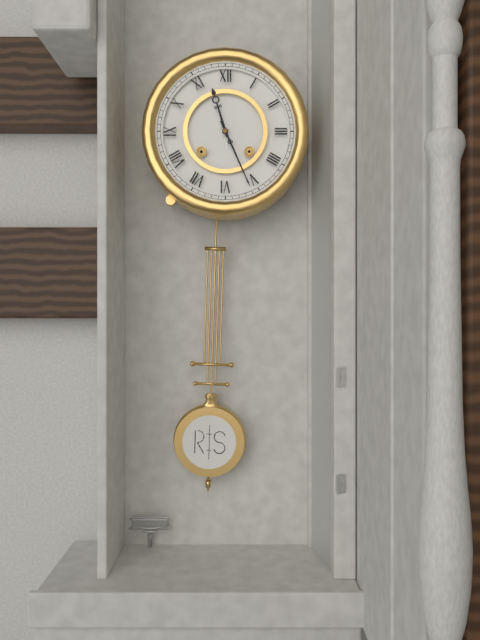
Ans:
h=11 m=26
